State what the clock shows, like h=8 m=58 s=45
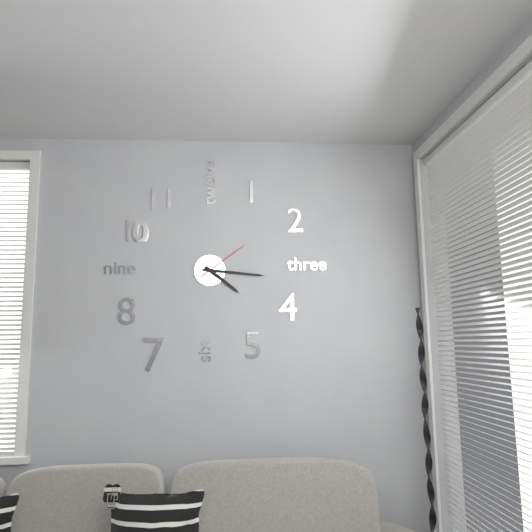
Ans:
h=4 m=16 s=9
